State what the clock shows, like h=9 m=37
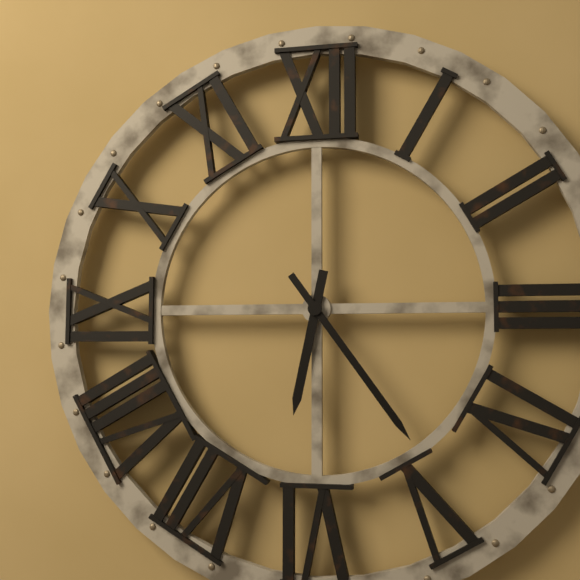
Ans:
h=6 m=24
